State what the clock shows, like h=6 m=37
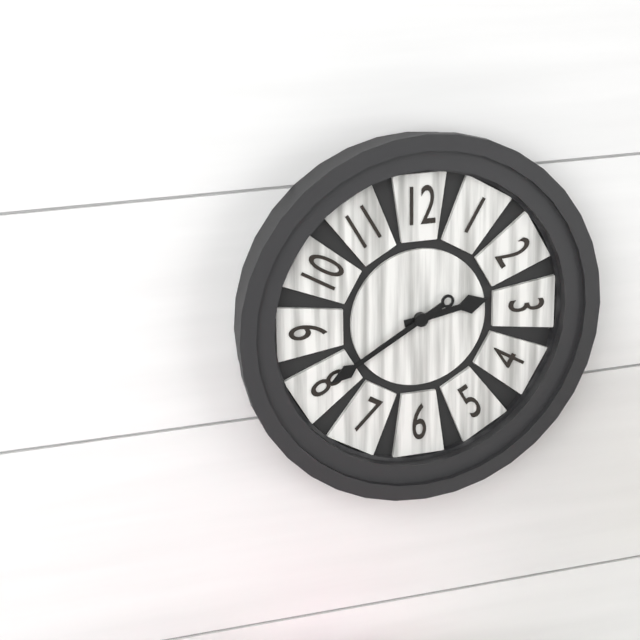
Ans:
h=2 m=40
